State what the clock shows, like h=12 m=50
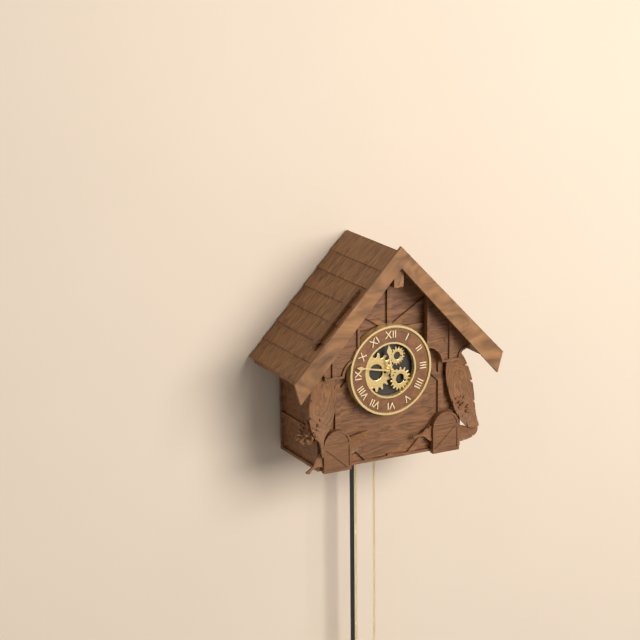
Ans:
h=11 m=47
